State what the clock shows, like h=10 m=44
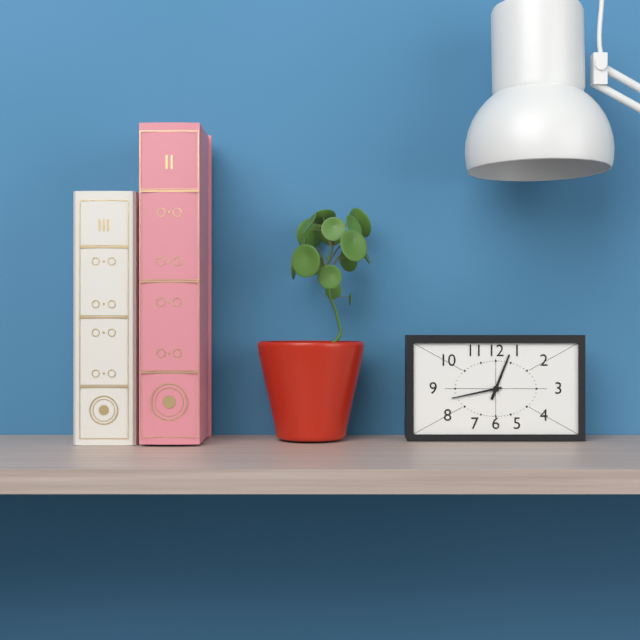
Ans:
h=12 m=43
